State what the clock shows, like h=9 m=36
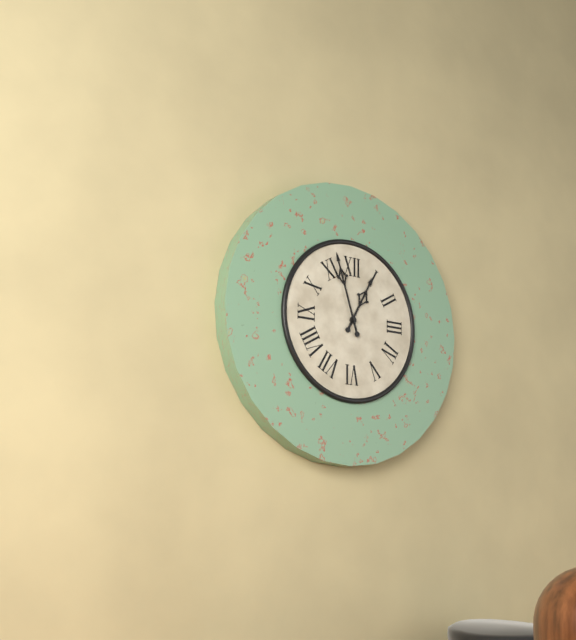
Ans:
h=12 m=57
